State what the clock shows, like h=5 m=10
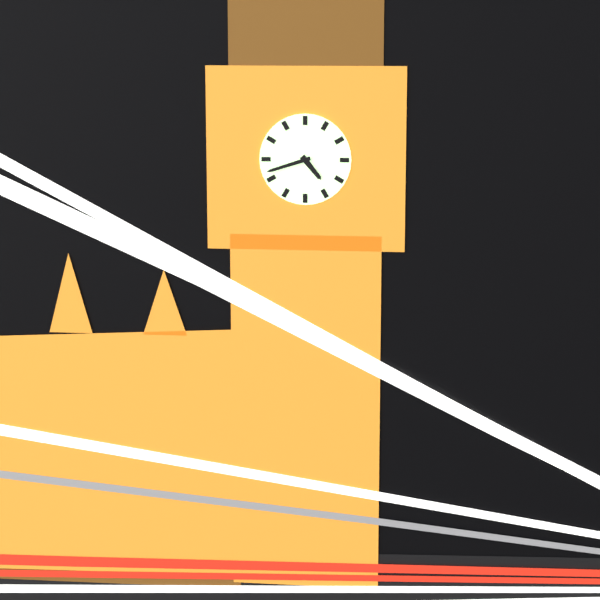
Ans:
h=4 m=42
